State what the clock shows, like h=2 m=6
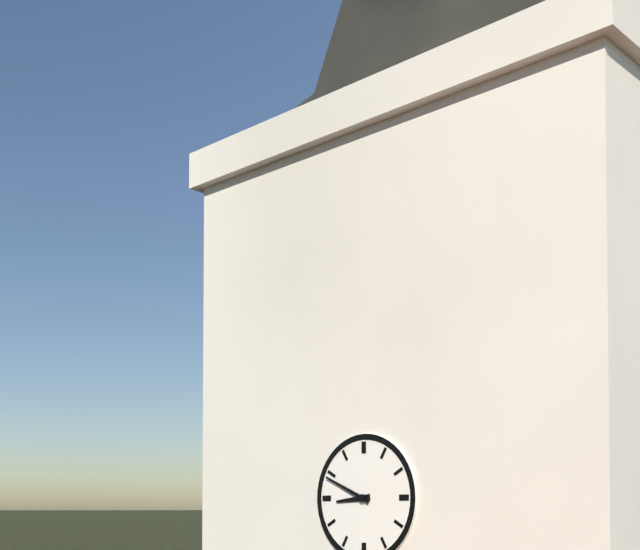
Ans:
h=8 m=49
